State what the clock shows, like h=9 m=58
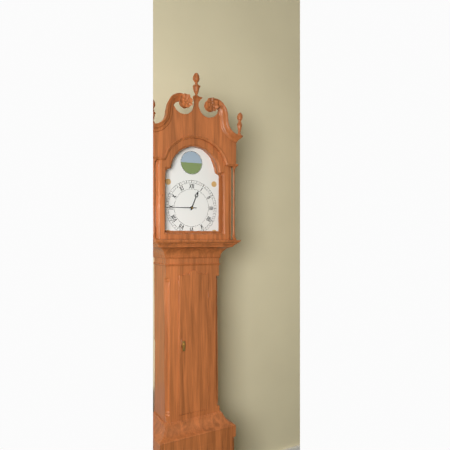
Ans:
h=12 m=45
